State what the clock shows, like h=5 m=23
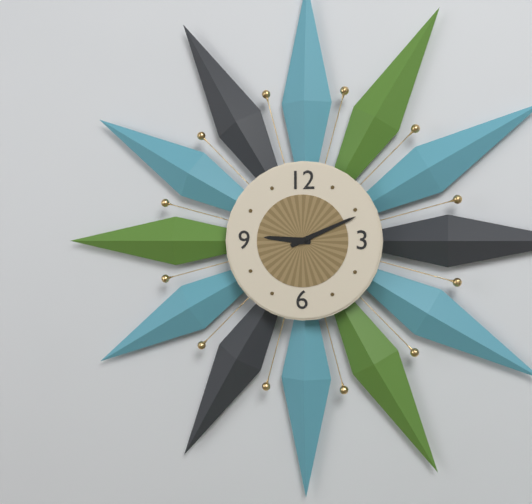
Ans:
h=9 m=11
